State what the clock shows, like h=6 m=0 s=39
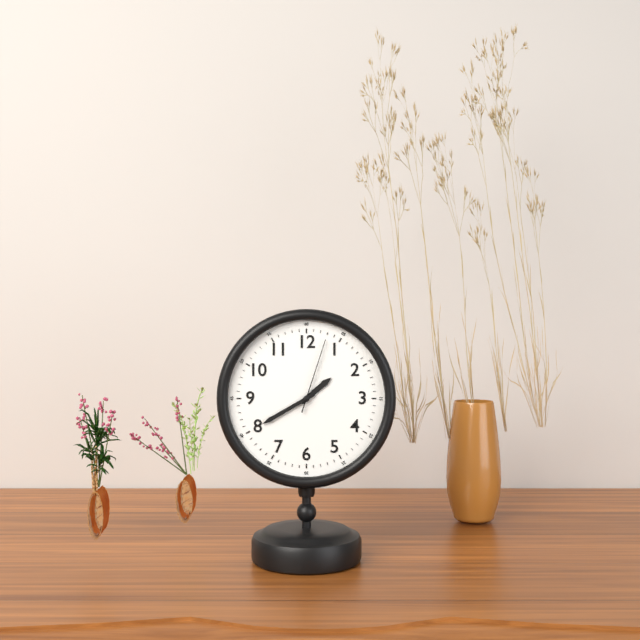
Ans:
h=1 m=40 s=3
